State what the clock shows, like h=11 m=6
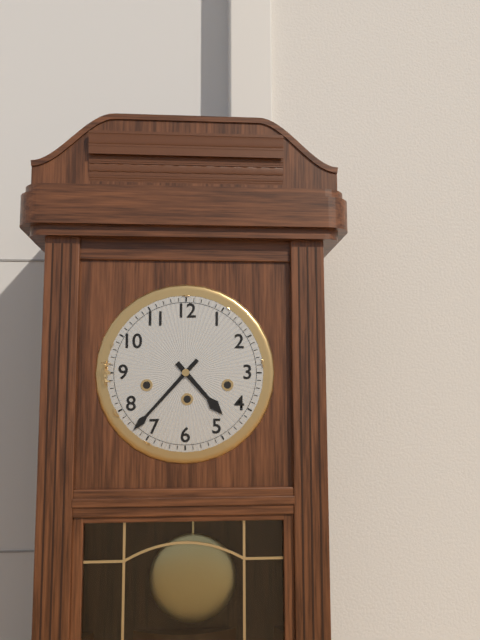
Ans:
h=4 m=37
